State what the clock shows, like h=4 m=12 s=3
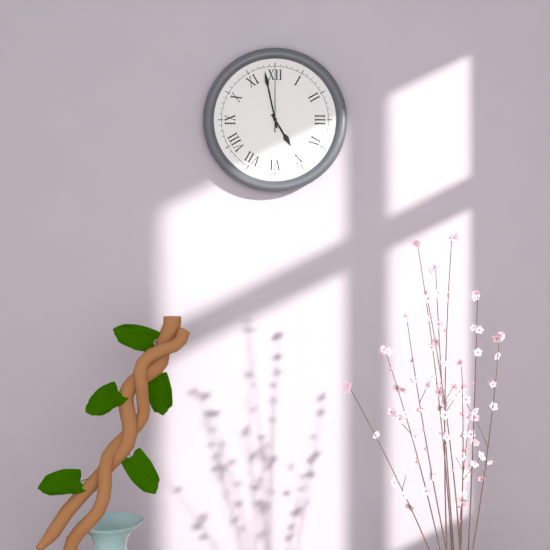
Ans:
h=4 m=58 s=0
